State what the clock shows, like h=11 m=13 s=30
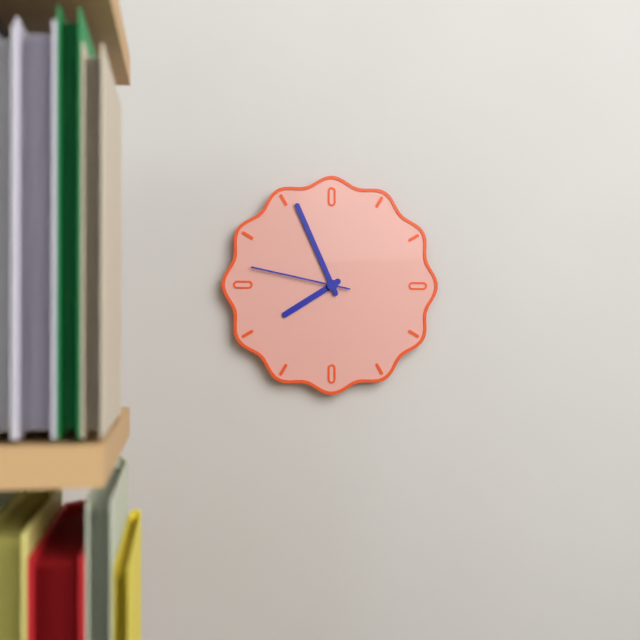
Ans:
h=7 m=56 s=47
